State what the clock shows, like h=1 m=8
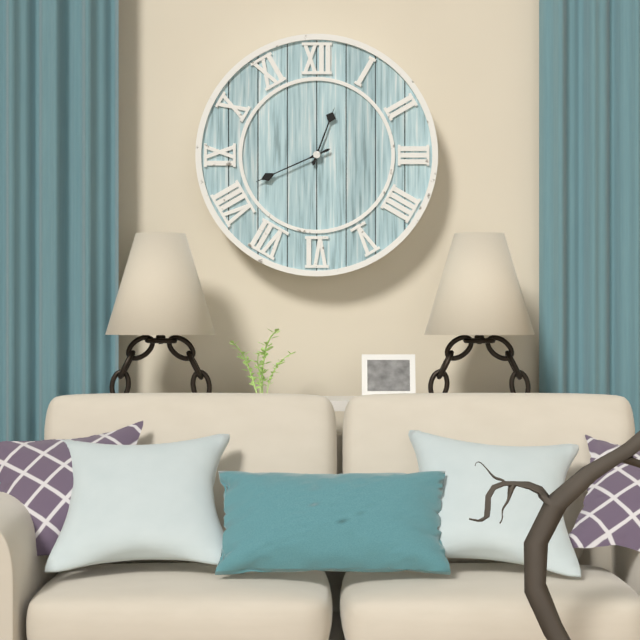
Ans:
h=12 m=41
